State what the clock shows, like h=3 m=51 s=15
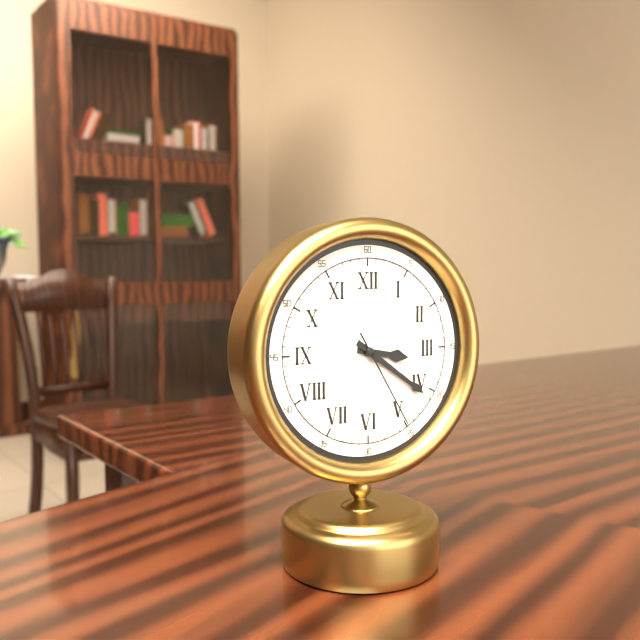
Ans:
h=3 m=21 s=25
